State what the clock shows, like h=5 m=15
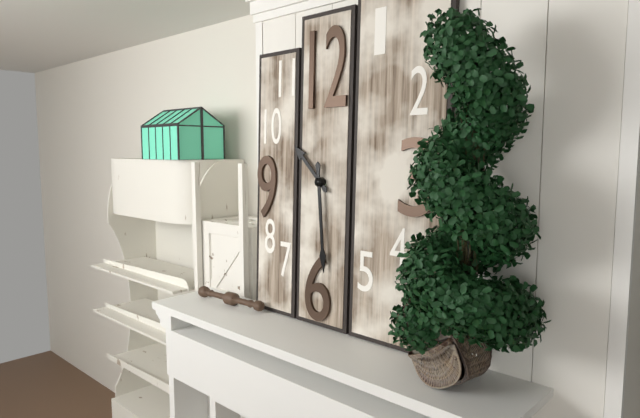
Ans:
h=10 m=29
